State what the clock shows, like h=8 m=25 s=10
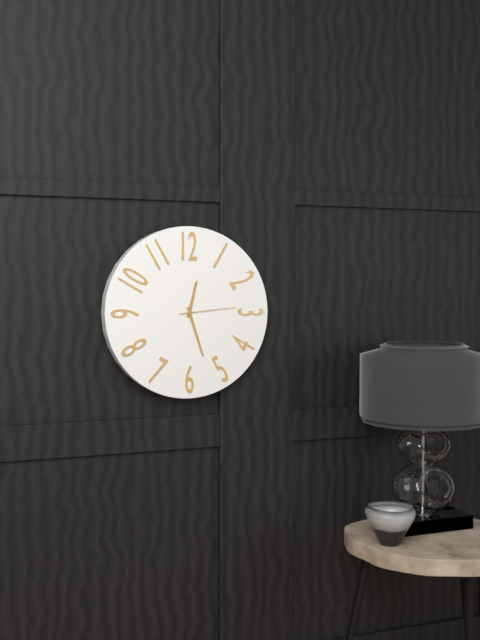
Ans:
h=12 m=27 s=14
